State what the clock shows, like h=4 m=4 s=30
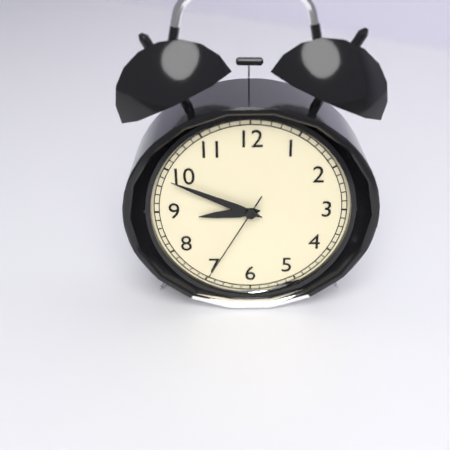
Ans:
h=8 m=49 s=35
